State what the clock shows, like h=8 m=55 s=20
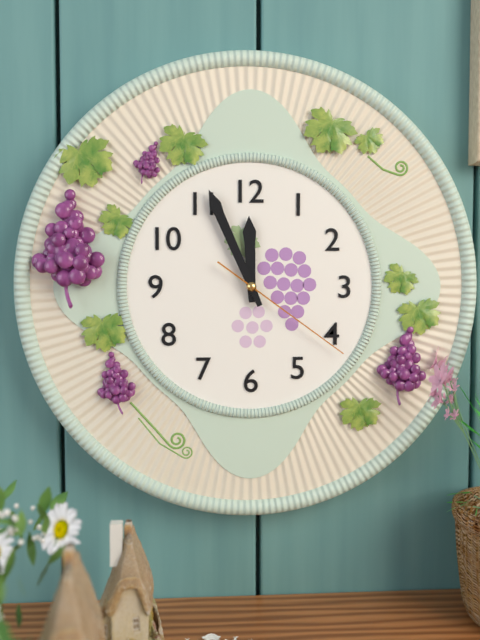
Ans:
h=11 m=56 s=21
